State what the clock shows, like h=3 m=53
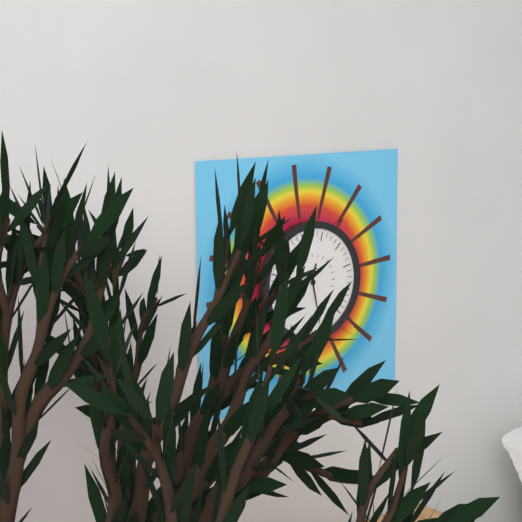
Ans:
h=12 m=28
